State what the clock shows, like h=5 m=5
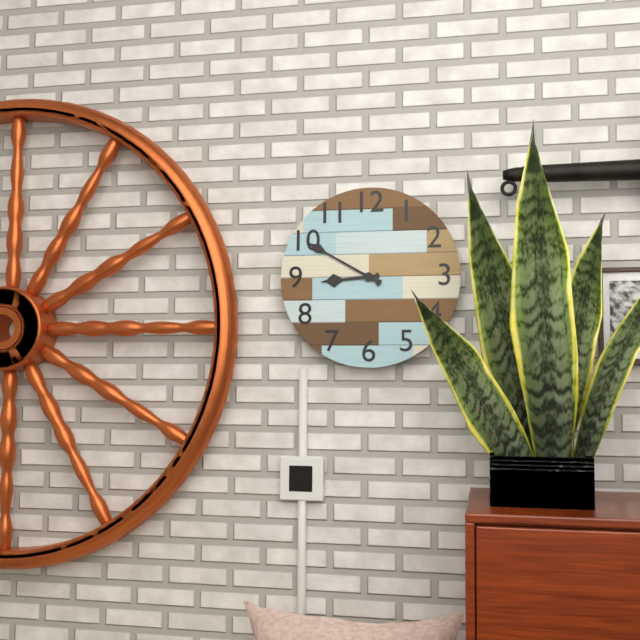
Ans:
h=8 m=50
